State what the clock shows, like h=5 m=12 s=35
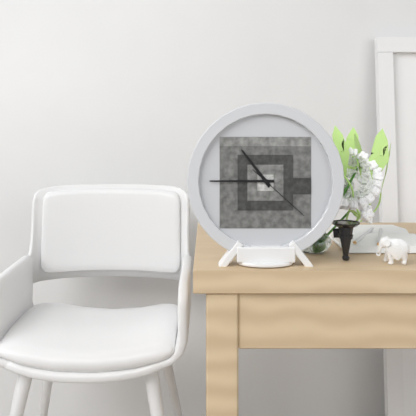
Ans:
h=10 m=45 s=22
